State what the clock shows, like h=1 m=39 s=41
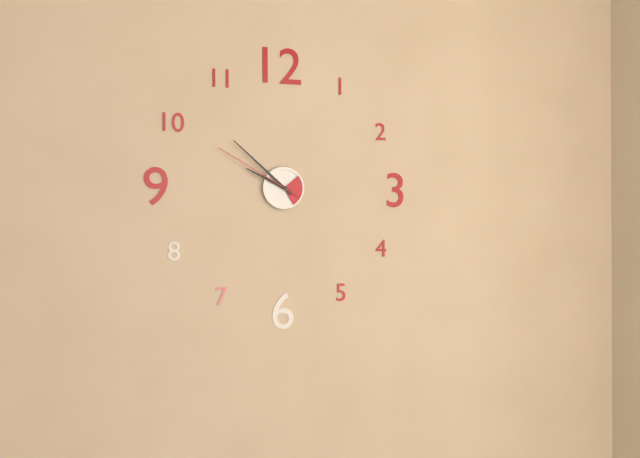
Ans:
h=9 m=52 s=50
